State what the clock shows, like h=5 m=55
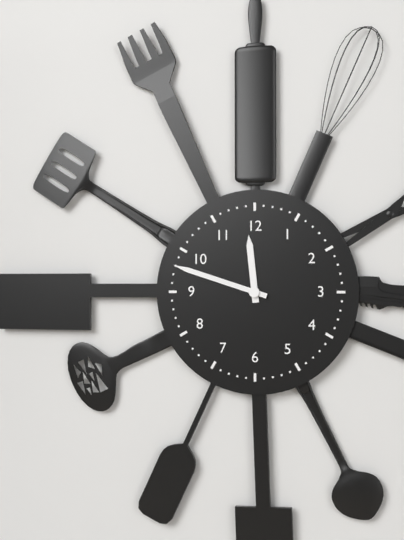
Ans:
h=11 m=48
